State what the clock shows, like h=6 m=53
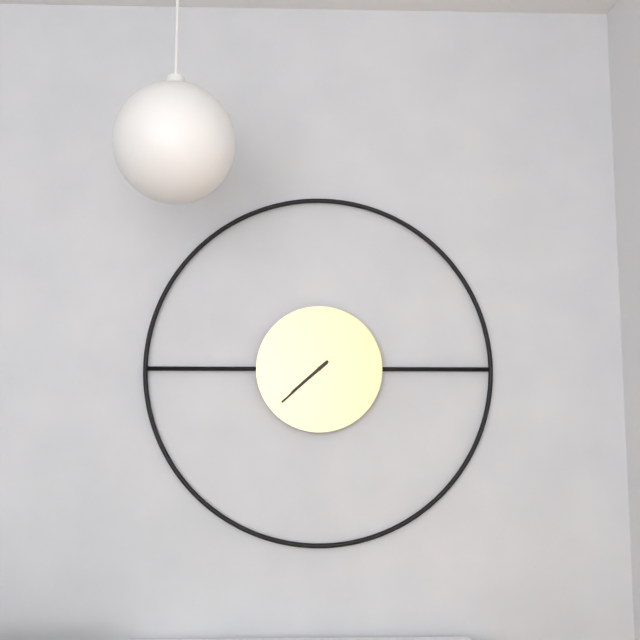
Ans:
h=7 m=38
